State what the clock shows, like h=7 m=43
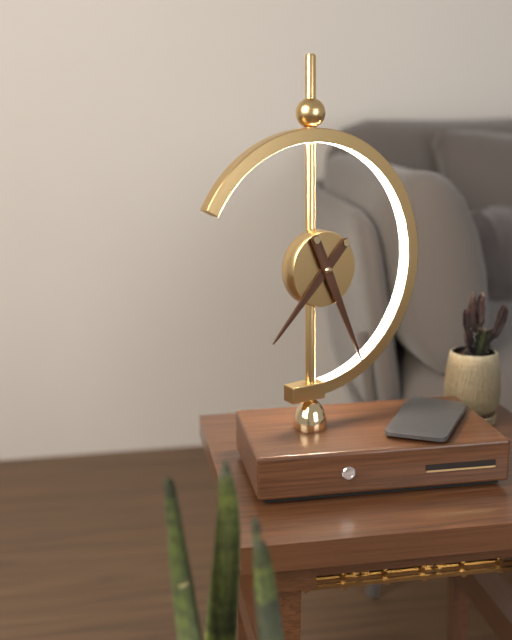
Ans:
h=7 m=26
